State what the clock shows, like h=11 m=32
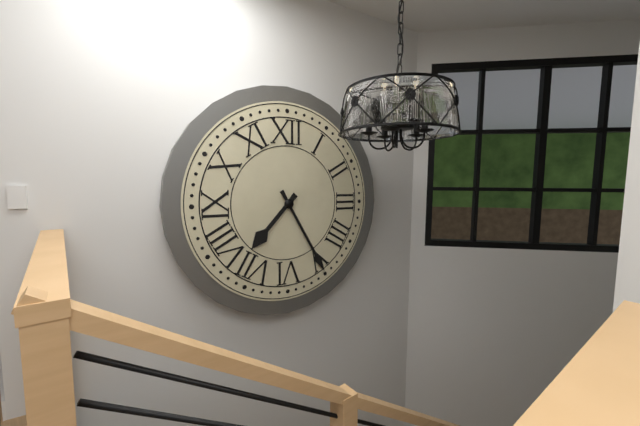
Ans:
h=7 m=25
